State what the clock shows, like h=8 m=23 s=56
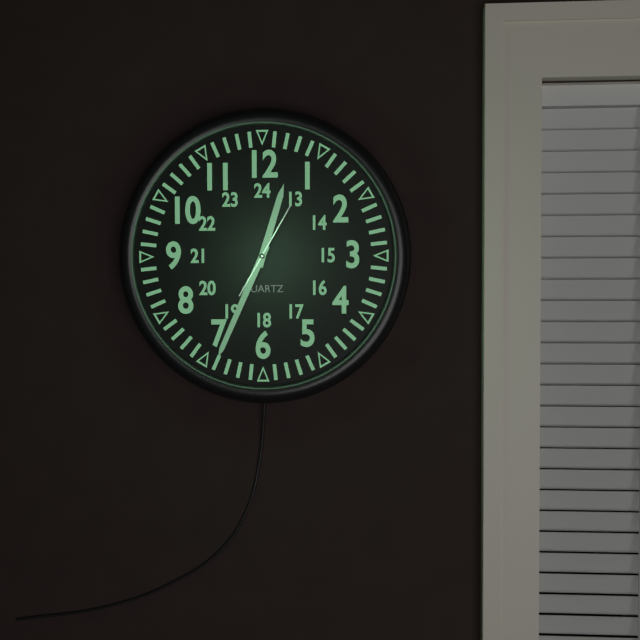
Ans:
h=12 m=34 s=5
